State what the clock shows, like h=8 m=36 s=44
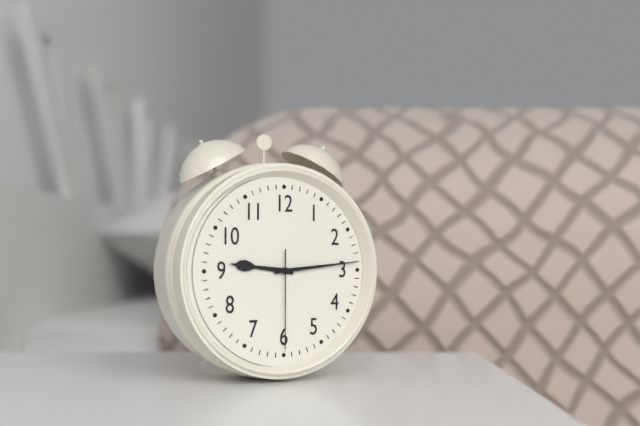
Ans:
h=9 m=14 s=30
